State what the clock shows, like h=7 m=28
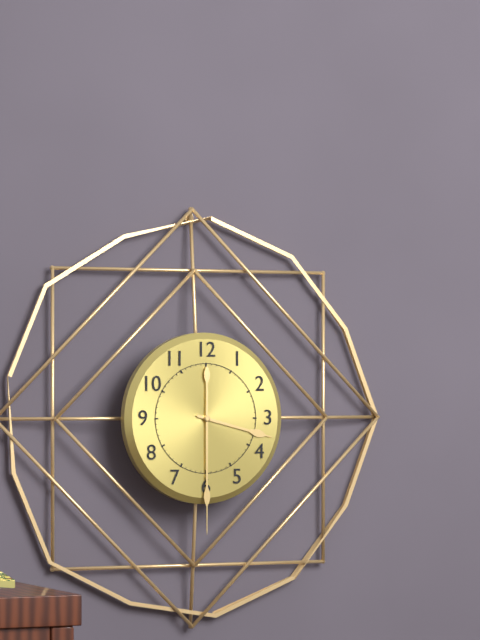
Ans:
h=3 m=30
